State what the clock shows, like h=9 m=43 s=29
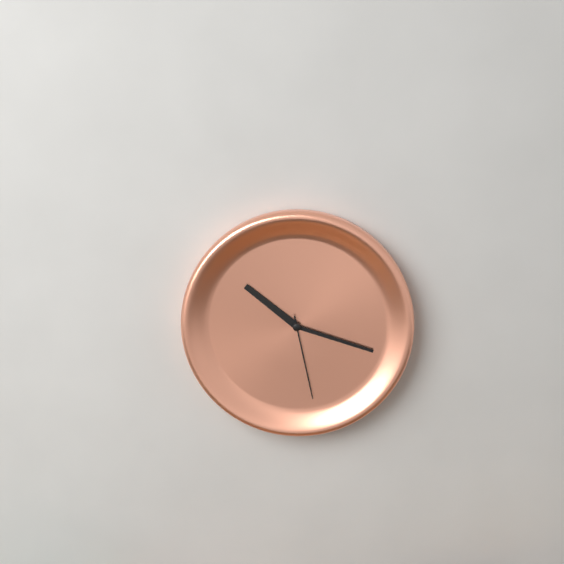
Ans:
h=10 m=18 s=28
